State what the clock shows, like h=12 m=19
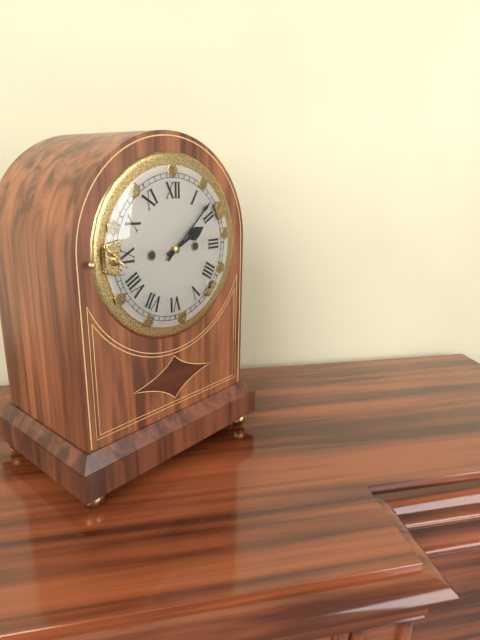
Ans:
h=2 m=8
